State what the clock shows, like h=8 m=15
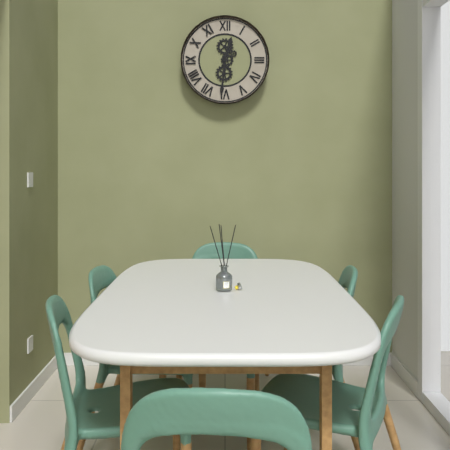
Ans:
h=12 m=31
